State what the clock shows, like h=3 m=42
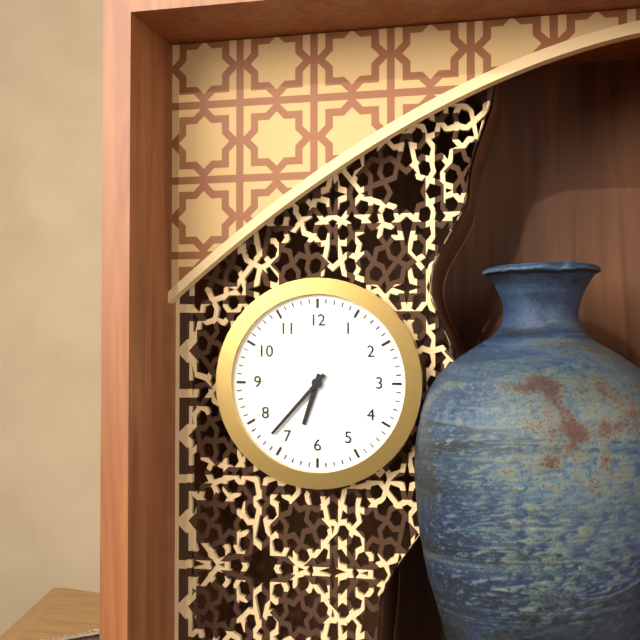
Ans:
h=6 m=37
